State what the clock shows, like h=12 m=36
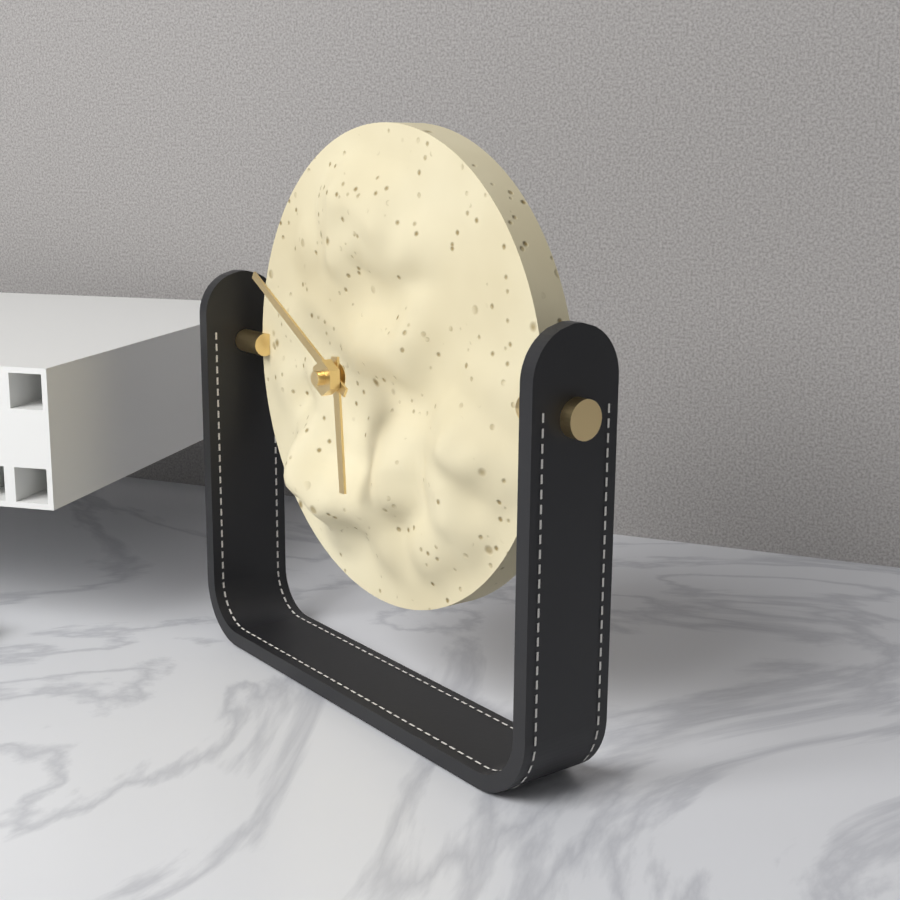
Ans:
h=5 m=50
